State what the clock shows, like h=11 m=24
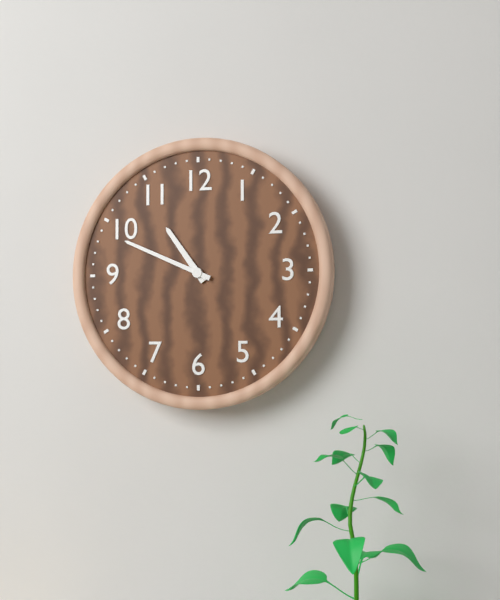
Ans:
h=10 m=49
